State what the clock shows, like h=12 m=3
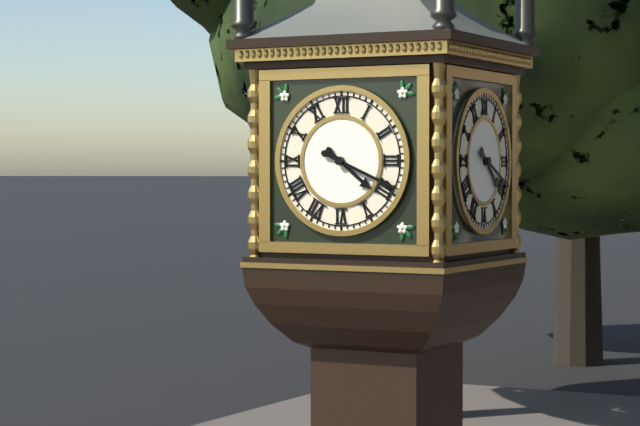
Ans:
h=4 m=19
